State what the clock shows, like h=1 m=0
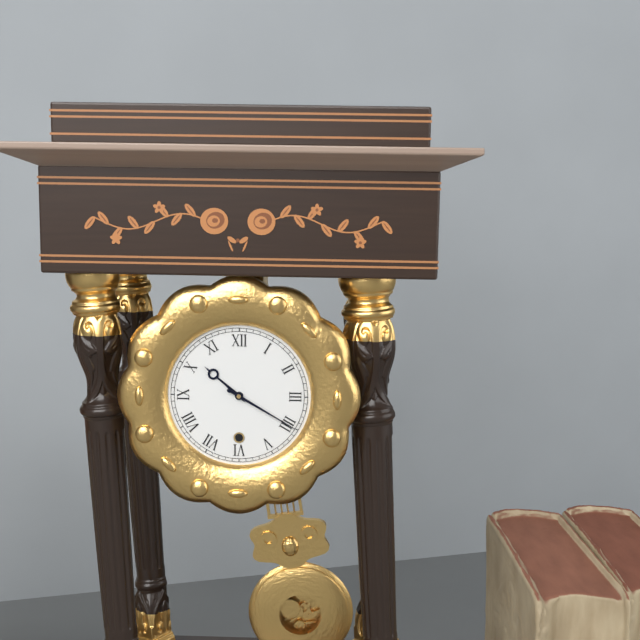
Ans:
h=10 m=20
